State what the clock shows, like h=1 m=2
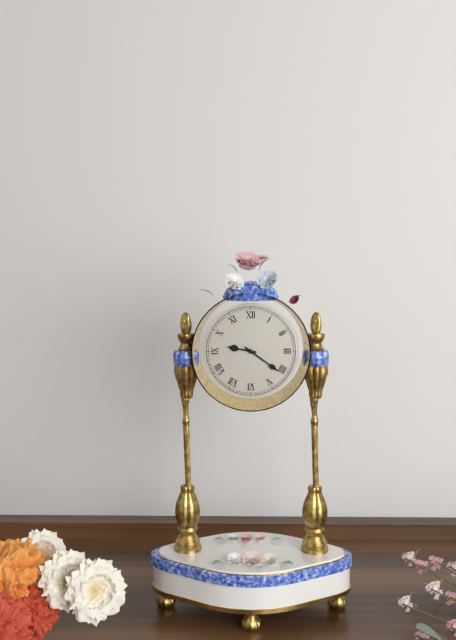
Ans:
h=9 m=21
